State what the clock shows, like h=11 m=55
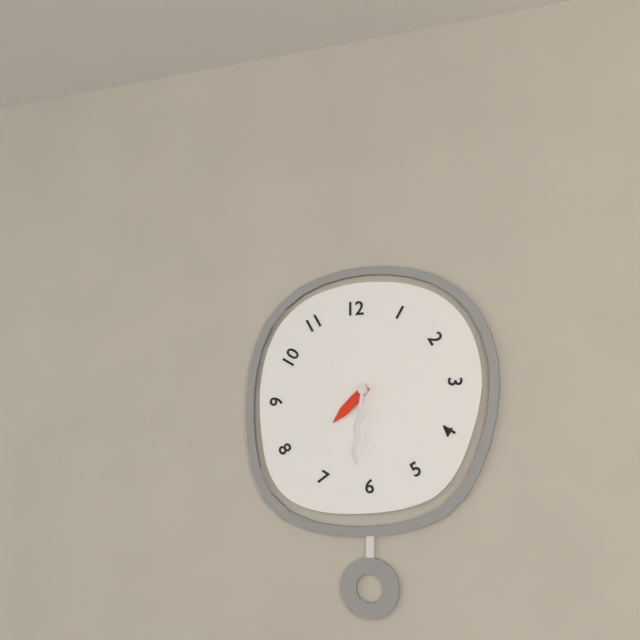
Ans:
h=7 m=31
